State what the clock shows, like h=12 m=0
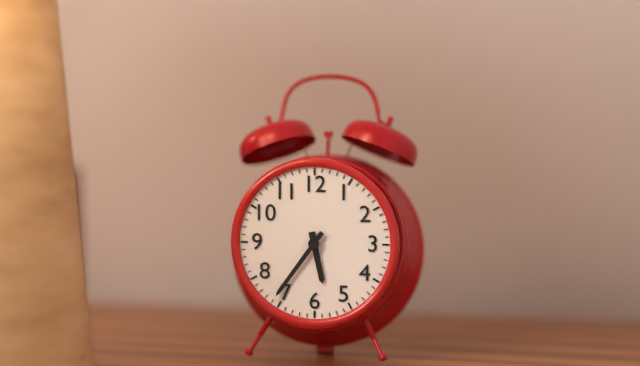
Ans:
h=5 m=36
